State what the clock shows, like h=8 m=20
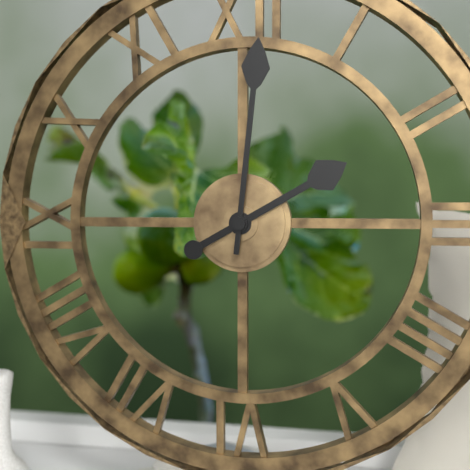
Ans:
h=2 m=1
